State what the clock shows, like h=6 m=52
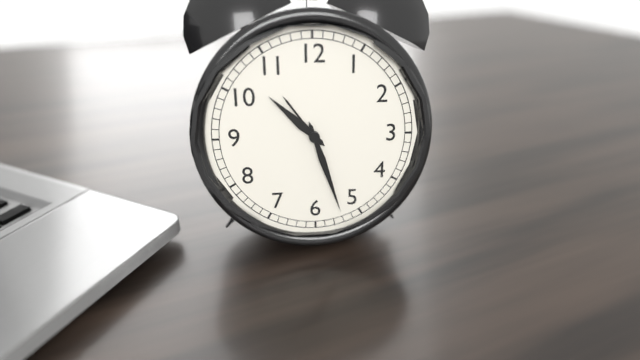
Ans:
h=10 m=27
